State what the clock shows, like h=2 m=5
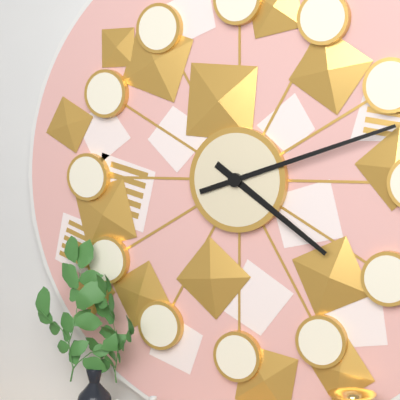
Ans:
h=4 m=12
